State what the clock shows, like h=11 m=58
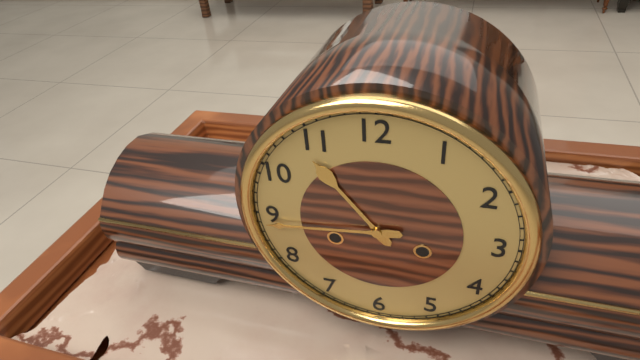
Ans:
h=10 m=44
